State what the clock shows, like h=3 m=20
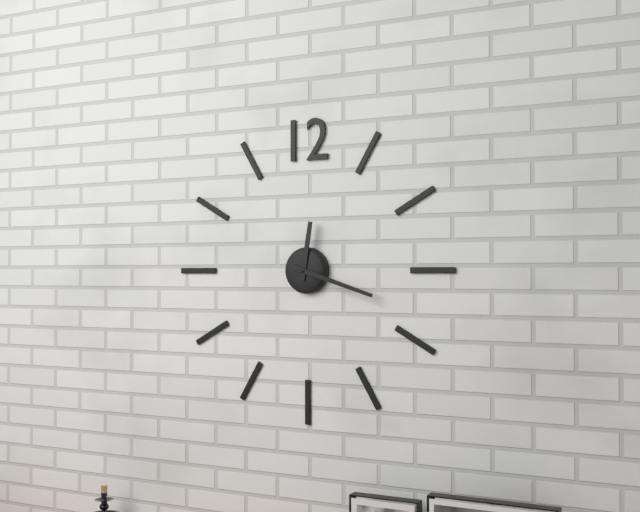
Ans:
h=12 m=18
